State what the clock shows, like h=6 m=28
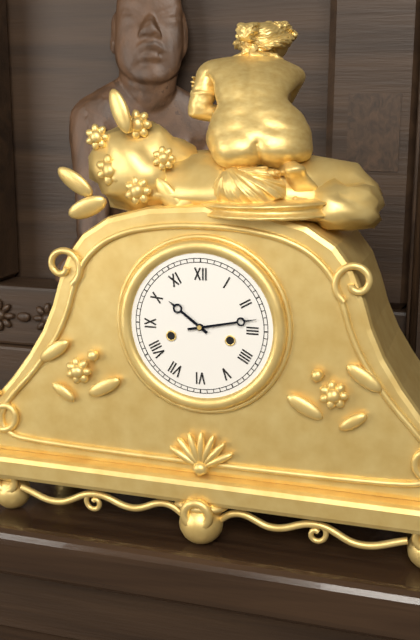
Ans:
h=10 m=13
